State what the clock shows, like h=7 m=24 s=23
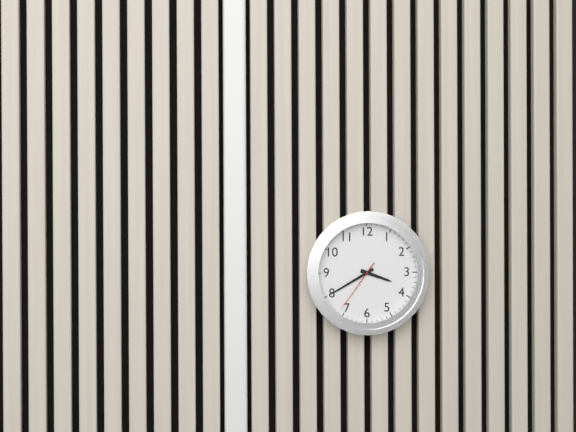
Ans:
h=3 m=40 s=36
